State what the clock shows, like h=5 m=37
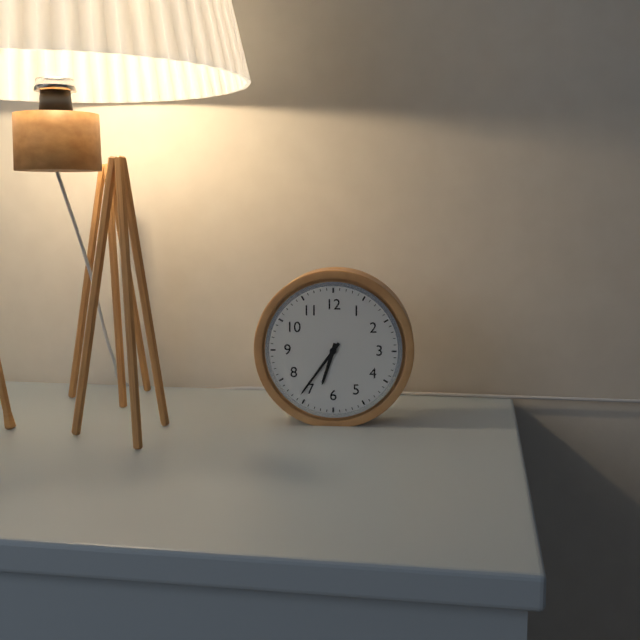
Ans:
h=6 m=36
